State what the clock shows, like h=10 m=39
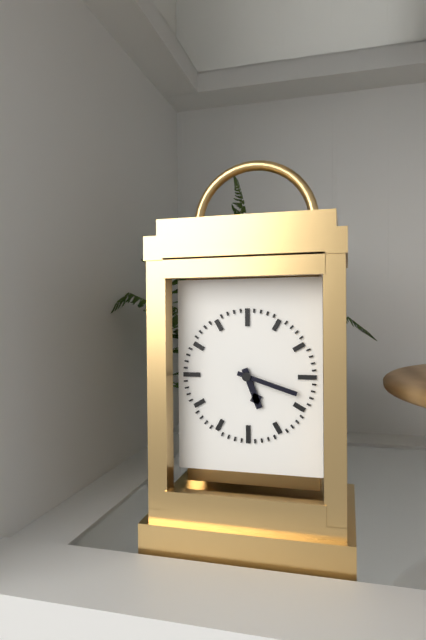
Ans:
h=5 m=18
